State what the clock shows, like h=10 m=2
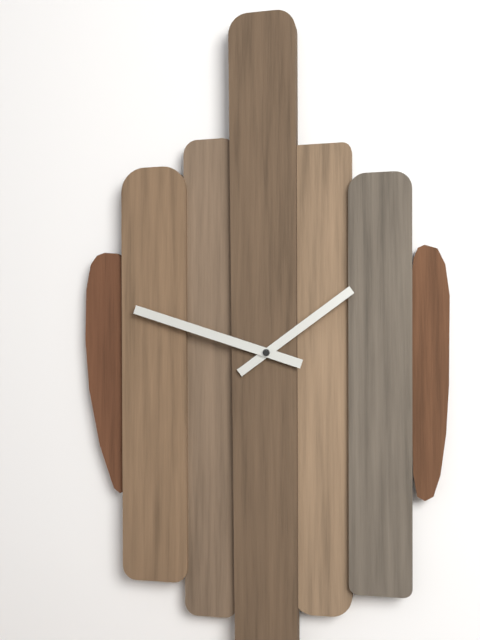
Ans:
h=1 m=48
